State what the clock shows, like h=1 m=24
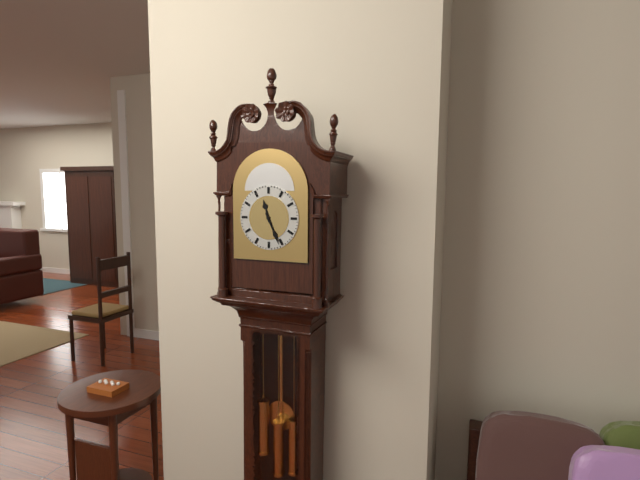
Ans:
h=11 m=26
